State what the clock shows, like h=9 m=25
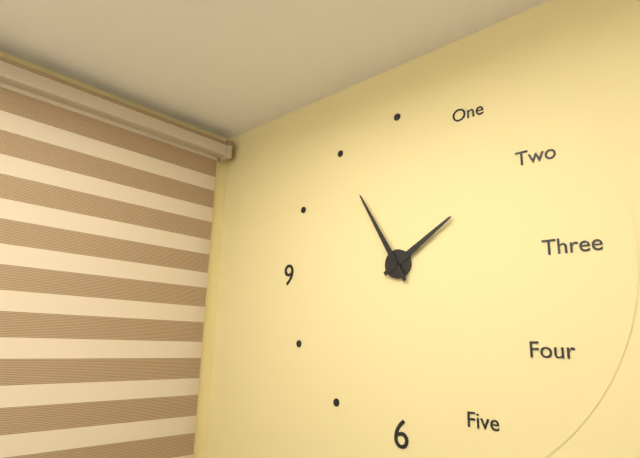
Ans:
h=1 m=55
